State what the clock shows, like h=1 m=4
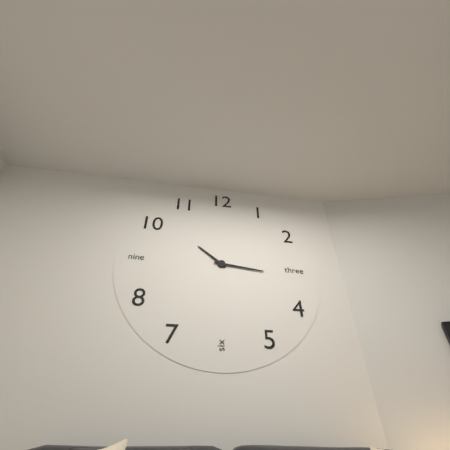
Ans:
h=10 m=16
